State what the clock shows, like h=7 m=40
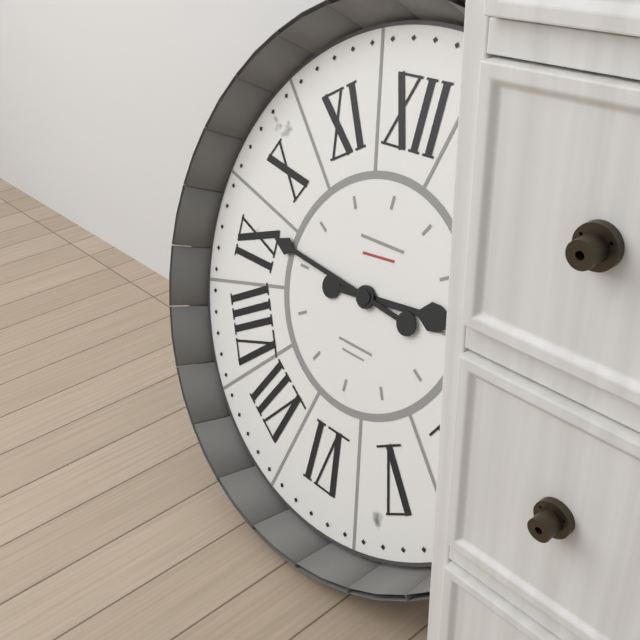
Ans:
h=2 m=46
